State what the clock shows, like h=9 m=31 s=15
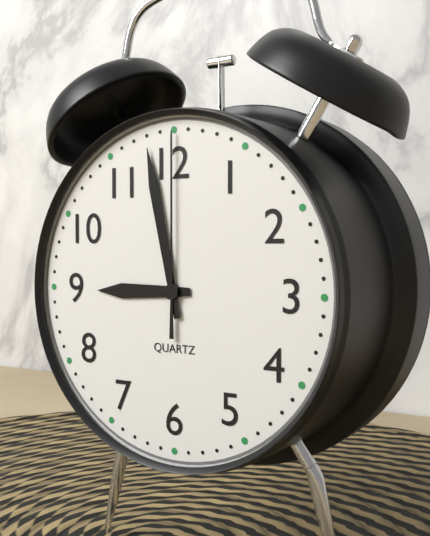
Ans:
h=8 m=58 s=0
